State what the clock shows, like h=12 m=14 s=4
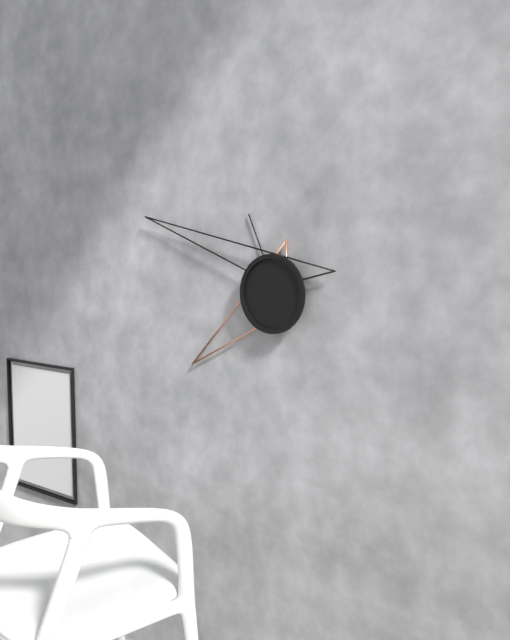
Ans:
h=7 m=49 s=56
